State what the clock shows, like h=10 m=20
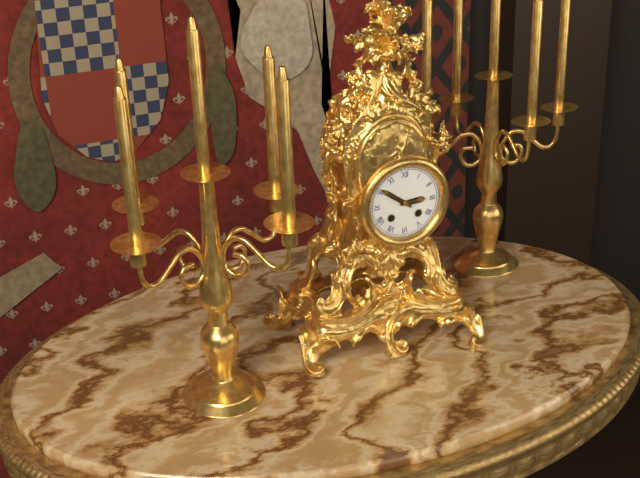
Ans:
h=2 m=51
